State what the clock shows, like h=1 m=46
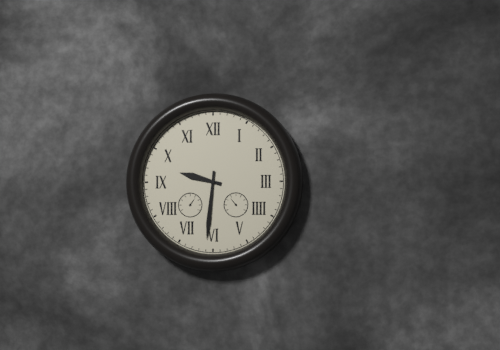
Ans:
h=9 m=31
